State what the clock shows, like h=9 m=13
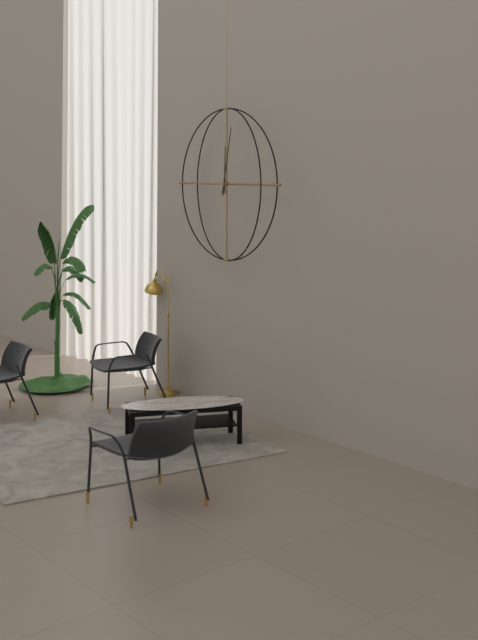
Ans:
h=12 m=2
